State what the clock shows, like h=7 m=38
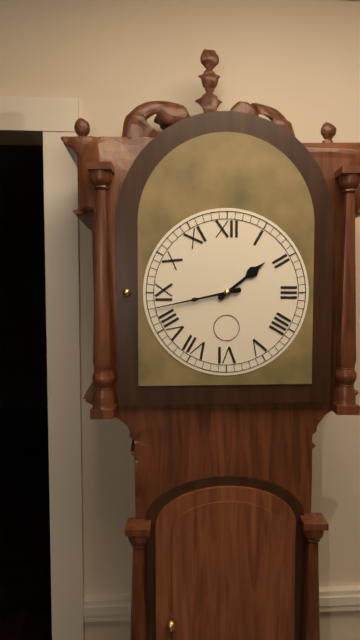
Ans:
h=1 m=43
